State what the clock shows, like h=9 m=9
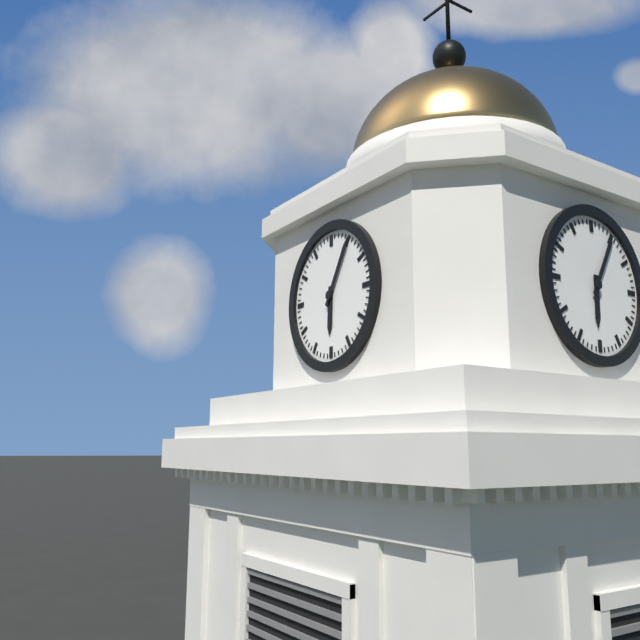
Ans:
h=6 m=5
